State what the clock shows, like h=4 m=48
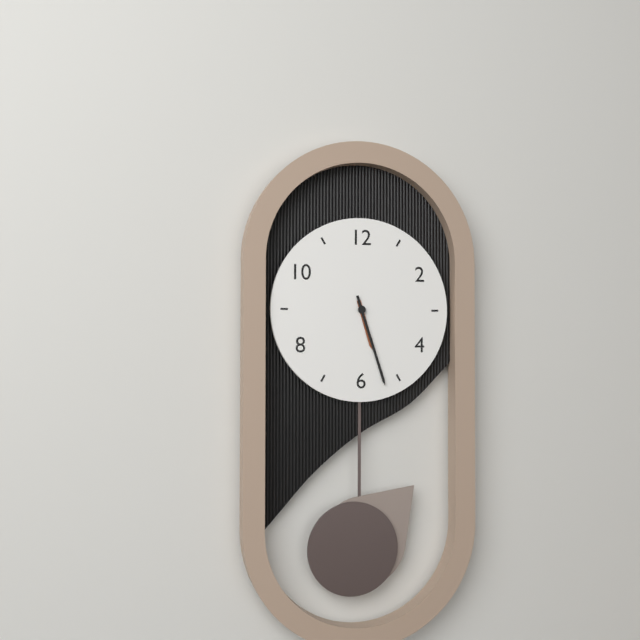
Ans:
h=5 m=27
